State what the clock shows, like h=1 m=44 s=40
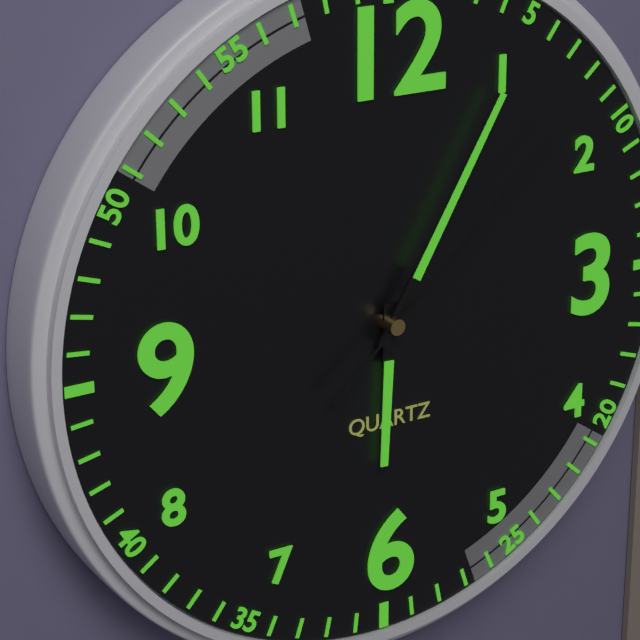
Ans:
h=6 m=5 s=8
